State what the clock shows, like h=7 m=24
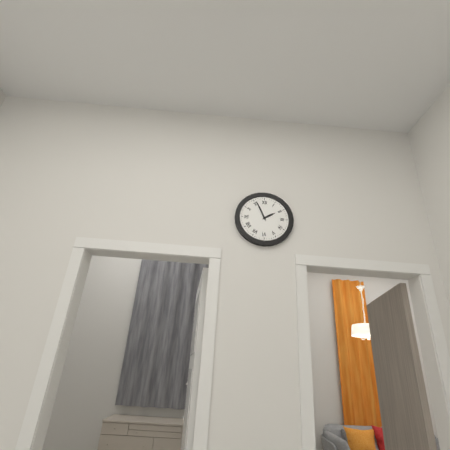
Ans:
h=1 m=56
